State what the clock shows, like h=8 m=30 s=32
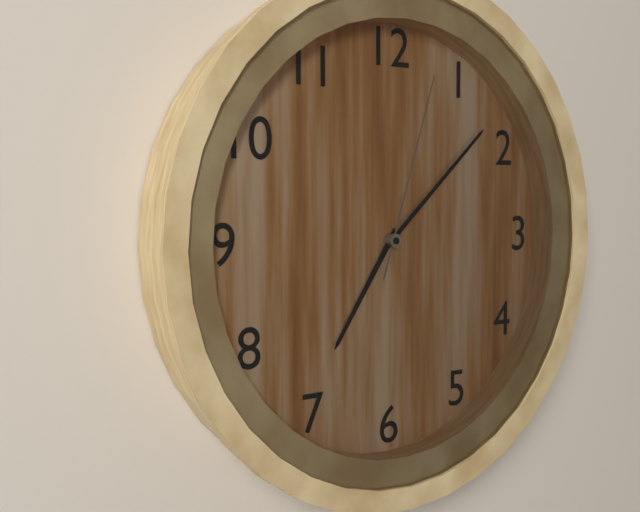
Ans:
h=7 m=8 s=3
